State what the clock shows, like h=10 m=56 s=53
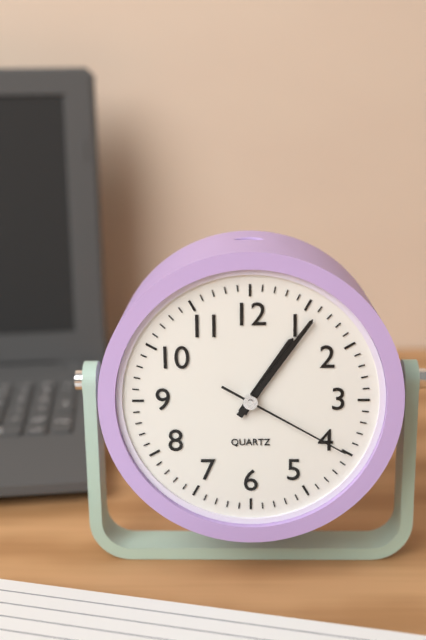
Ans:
h=1 m=6 s=20
